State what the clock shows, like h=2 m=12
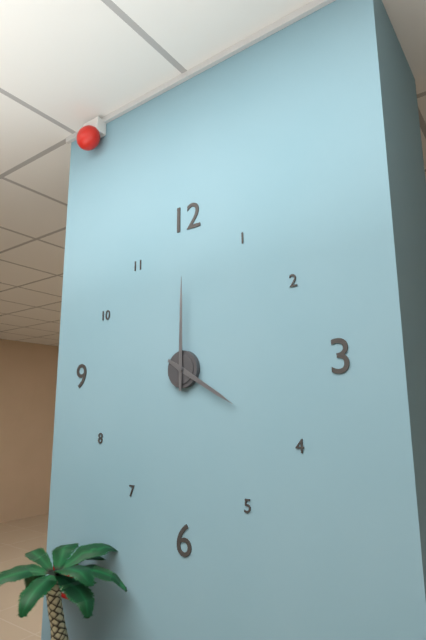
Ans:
h=4 m=0
